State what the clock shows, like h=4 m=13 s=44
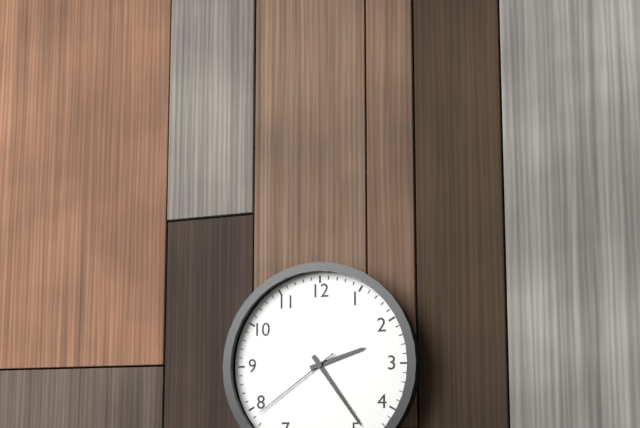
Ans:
h=2 m=24 s=39
